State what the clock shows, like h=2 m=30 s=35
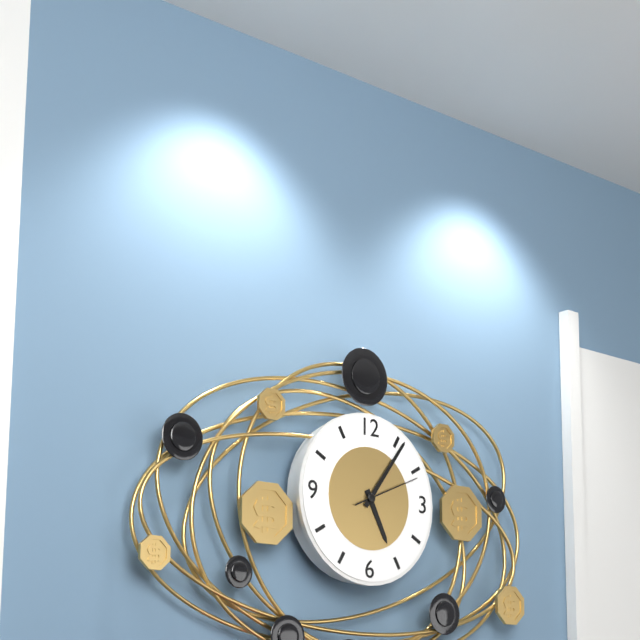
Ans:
h=5 m=6 s=11
